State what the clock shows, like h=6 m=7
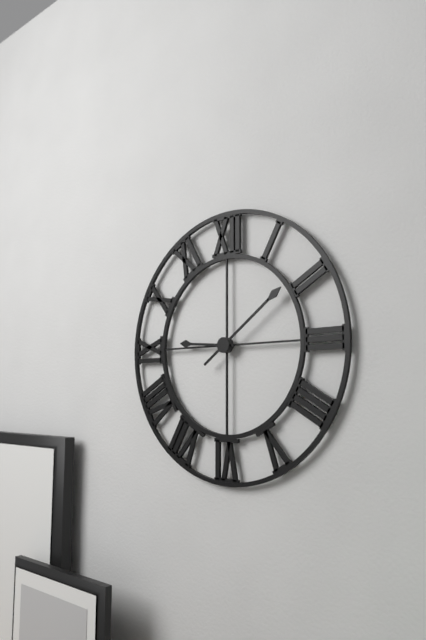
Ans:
h=9 m=9
